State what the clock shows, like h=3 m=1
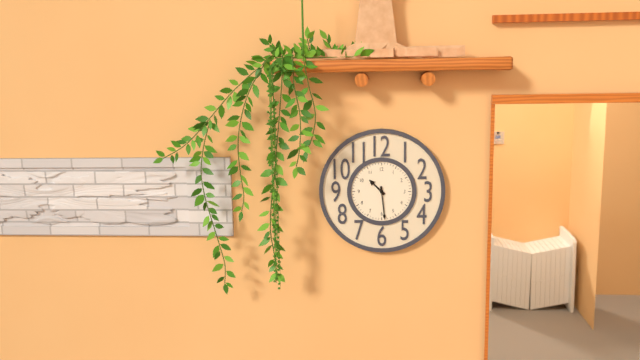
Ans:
h=10 m=29
